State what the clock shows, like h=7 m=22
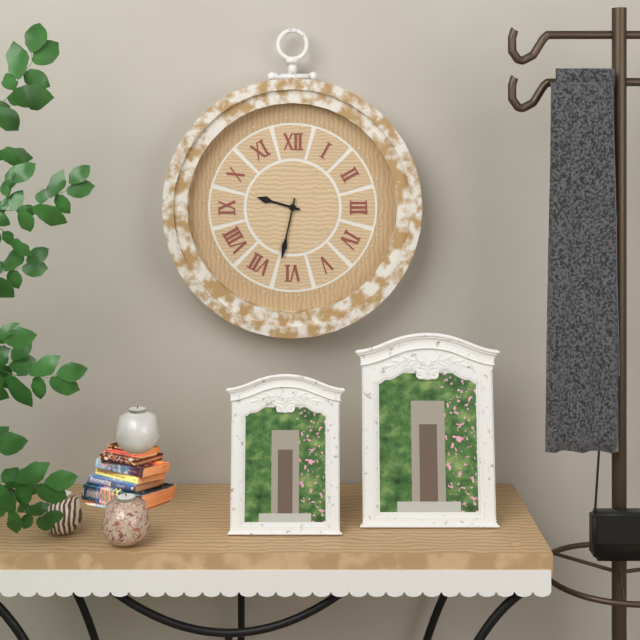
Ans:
h=9 m=32
